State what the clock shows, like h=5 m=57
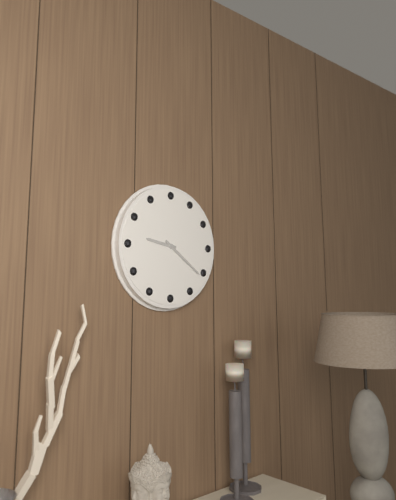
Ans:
h=9 m=21
